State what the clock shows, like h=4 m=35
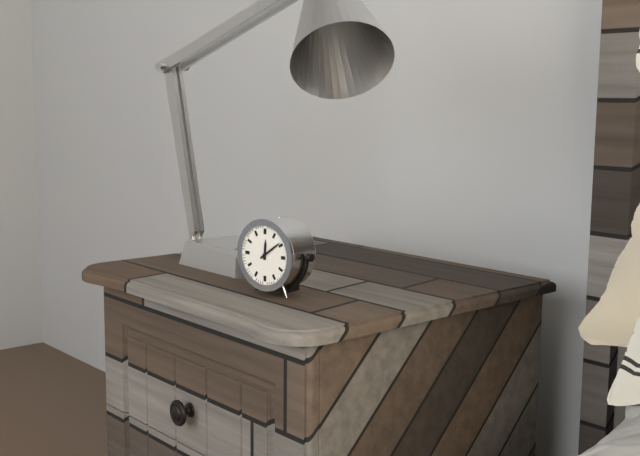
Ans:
h=12 m=9
